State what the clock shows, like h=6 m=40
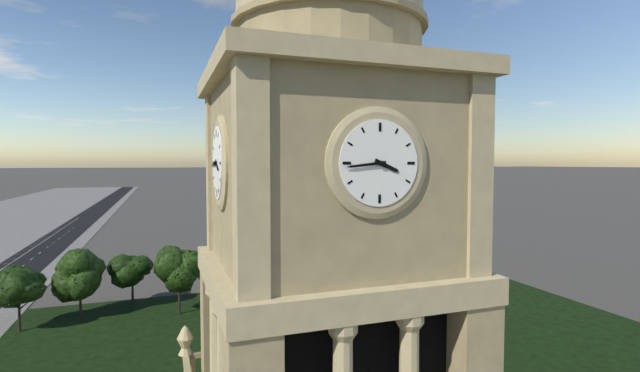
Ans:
h=3 m=44
